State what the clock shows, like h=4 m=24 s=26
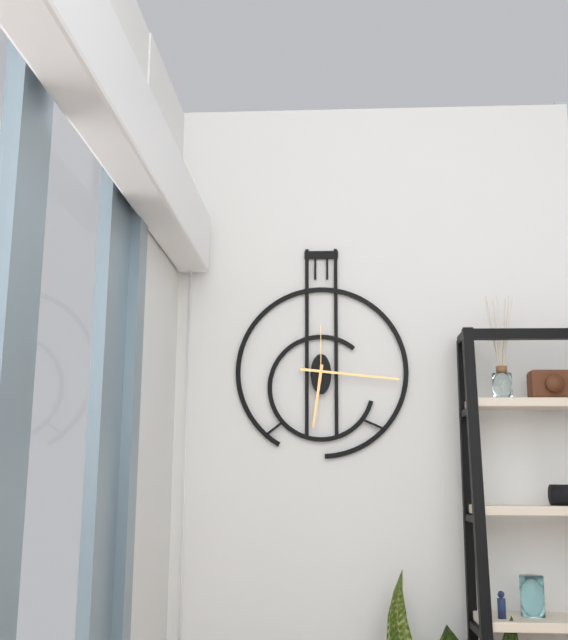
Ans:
h=6 m=16 s=0
